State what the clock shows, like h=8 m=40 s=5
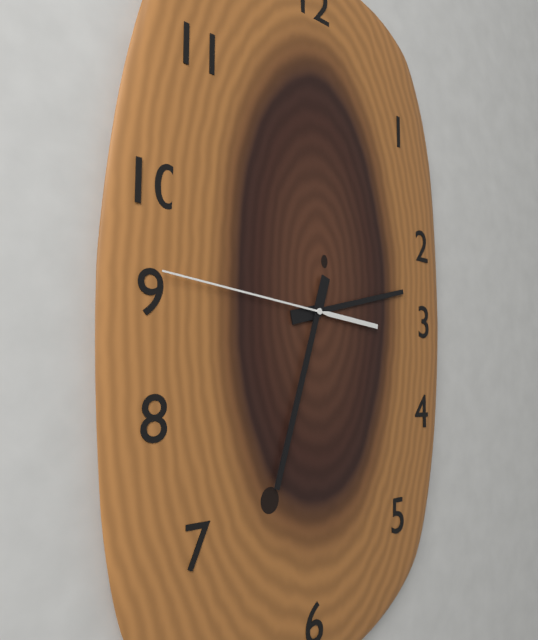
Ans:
h=2 m=33 s=46
